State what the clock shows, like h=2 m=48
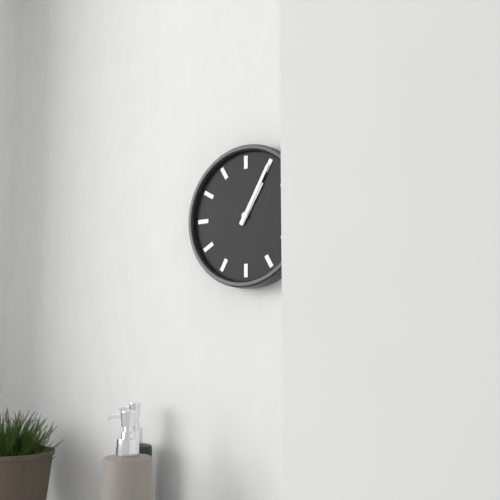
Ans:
h=1 m=5
